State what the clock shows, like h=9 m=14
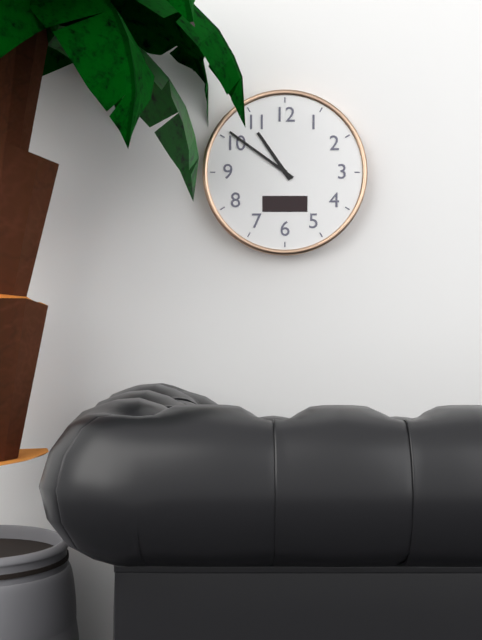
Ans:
h=10 m=51
